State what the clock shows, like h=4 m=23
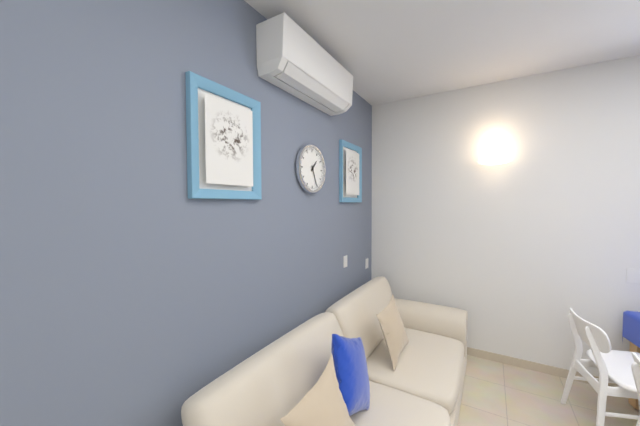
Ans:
h=1 m=26
